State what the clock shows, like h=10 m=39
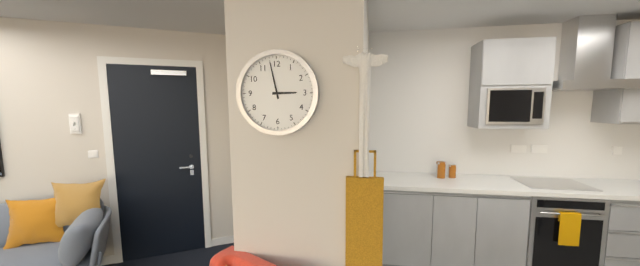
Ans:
h=2 m=58
